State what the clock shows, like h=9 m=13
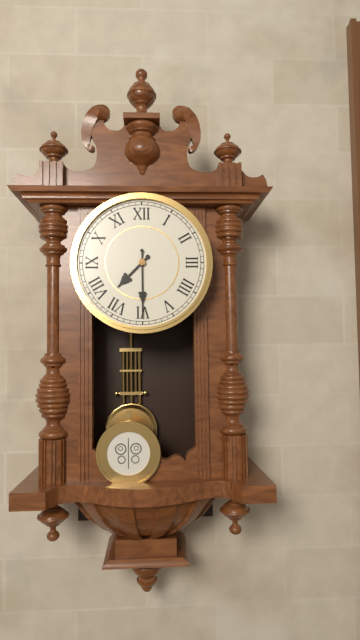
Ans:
h=7 m=30
